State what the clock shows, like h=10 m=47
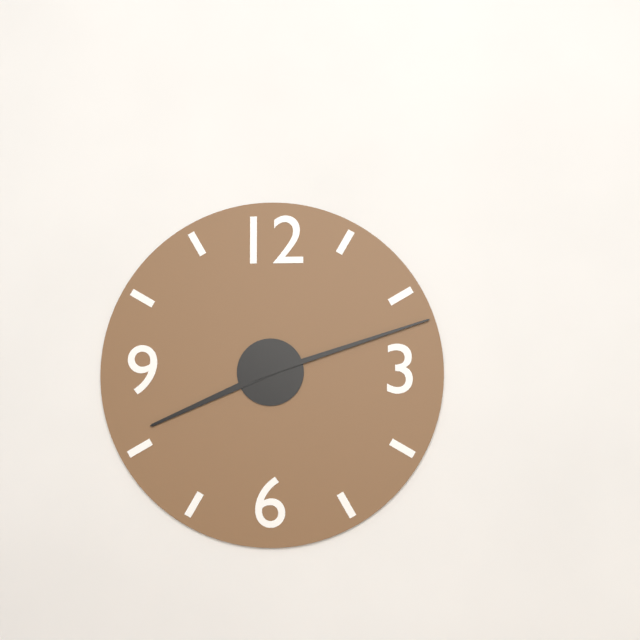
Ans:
h=8 m=12
